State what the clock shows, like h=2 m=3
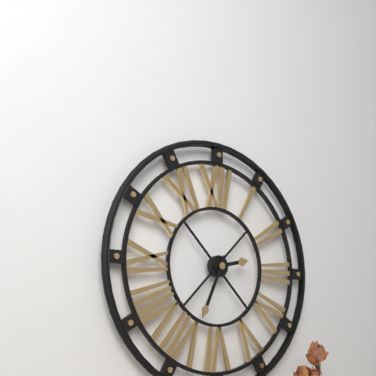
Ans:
h=2 m=34
